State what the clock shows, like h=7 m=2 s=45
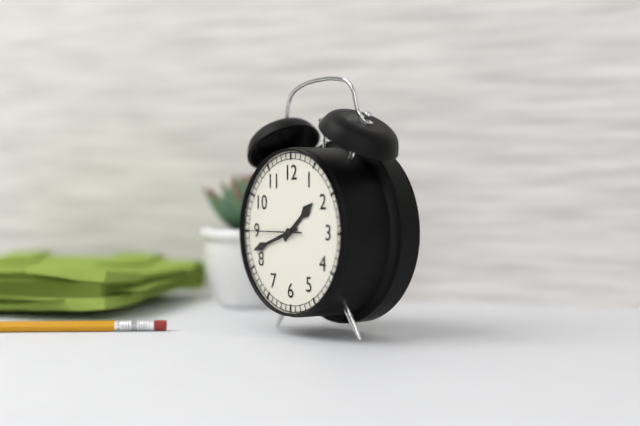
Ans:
h=1 m=42 s=45
